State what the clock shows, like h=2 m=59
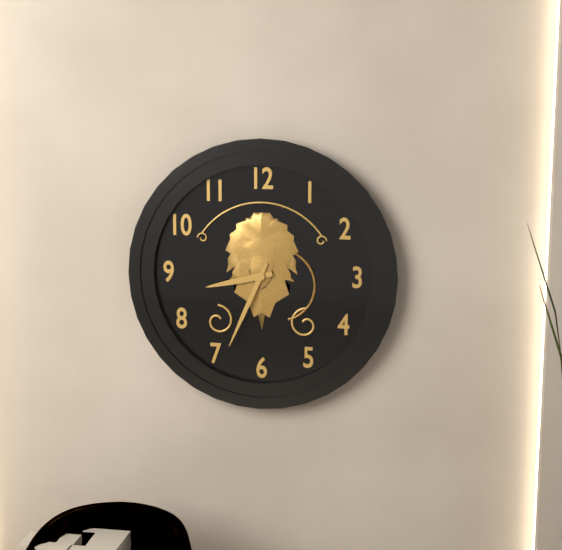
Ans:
h=8 m=34
